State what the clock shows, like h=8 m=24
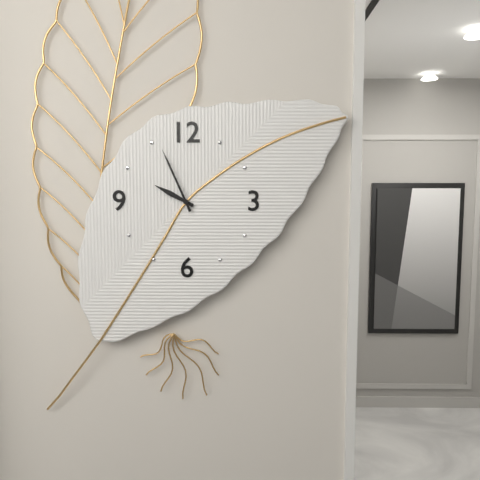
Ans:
h=9 m=56
